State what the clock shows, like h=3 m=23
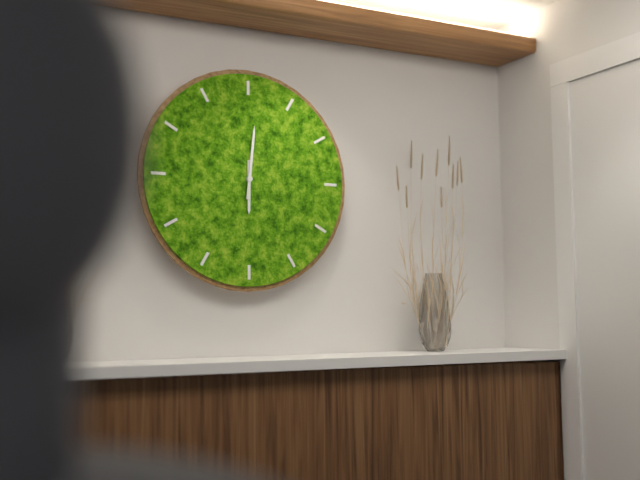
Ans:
h=6 m=1
